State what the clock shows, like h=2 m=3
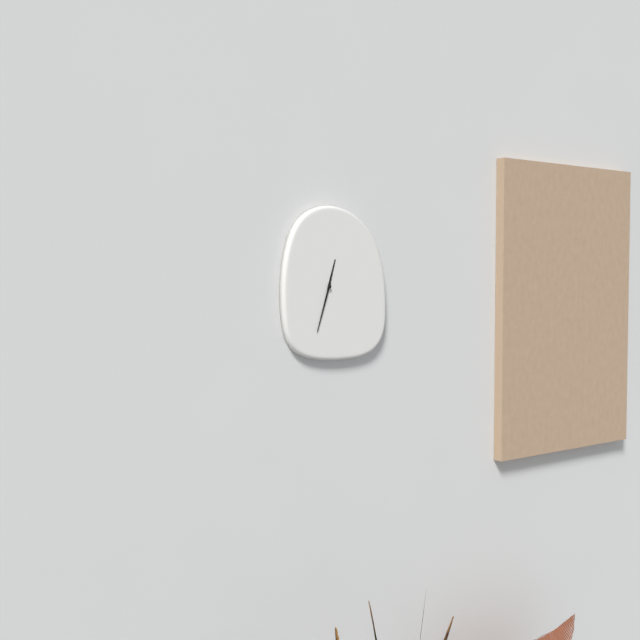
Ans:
h=12 m=33
